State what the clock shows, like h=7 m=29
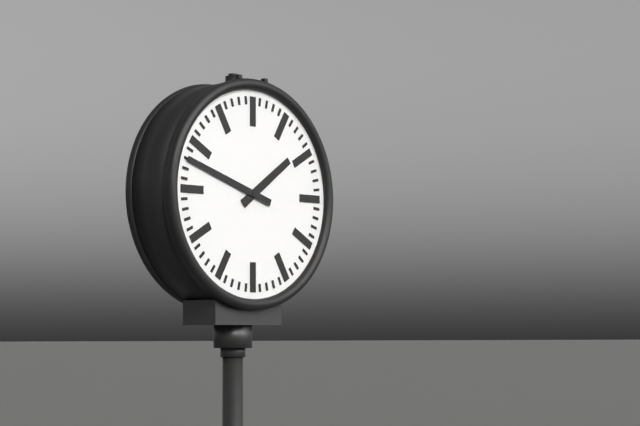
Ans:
h=1 m=48
